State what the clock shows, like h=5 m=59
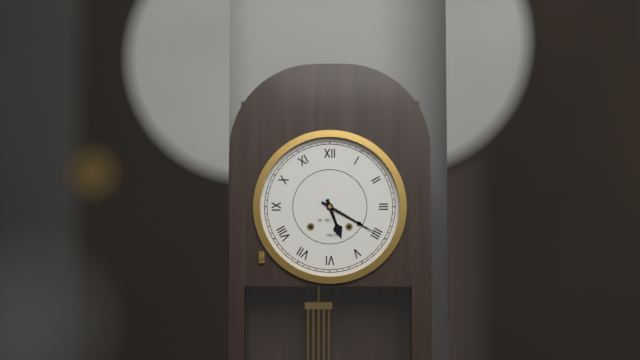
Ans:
h=5 m=20
